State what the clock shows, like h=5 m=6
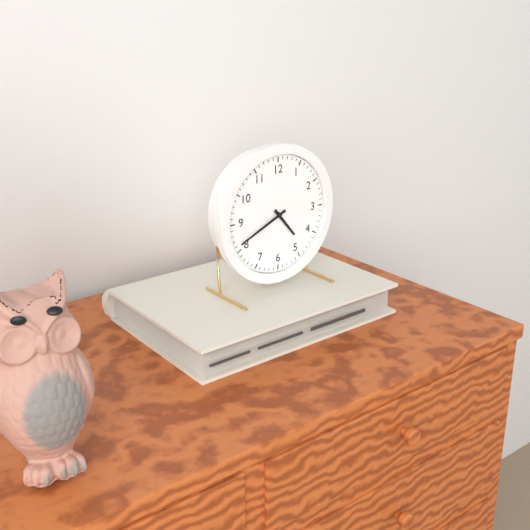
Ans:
h=4 m=41
